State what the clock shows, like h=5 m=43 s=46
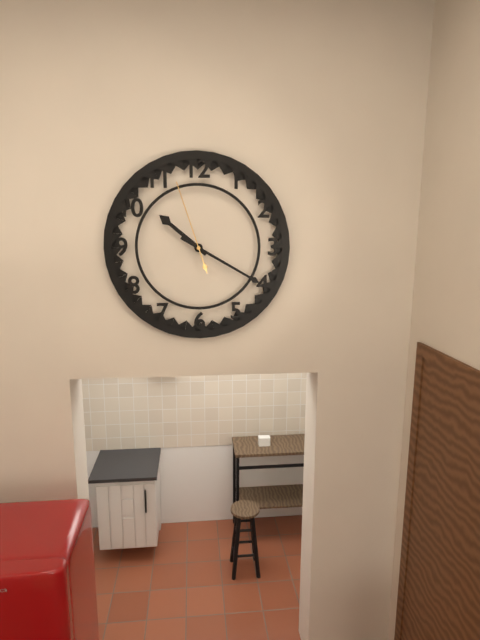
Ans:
h=10 m=20 s=57
